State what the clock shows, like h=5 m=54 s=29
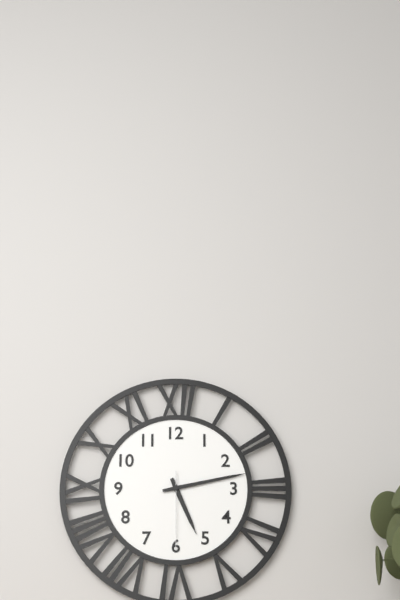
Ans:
h=5 m=13 s=30
